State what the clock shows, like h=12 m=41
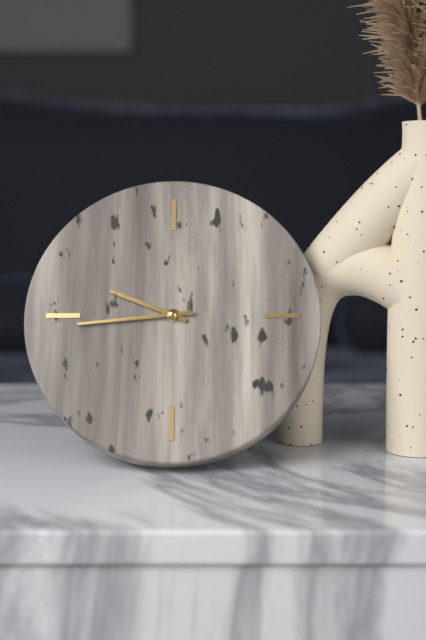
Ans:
h=9 m=44
